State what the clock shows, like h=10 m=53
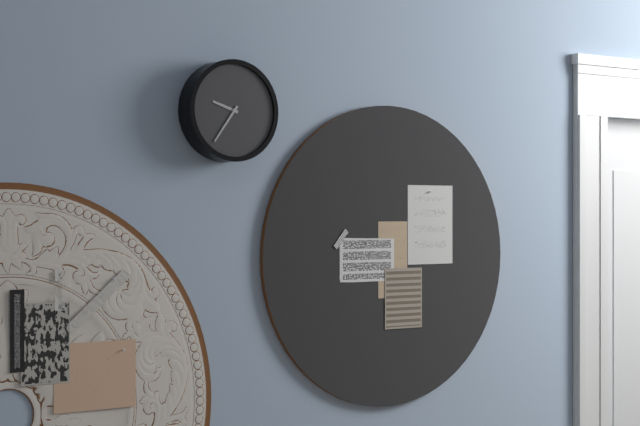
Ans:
h=9 m=36
